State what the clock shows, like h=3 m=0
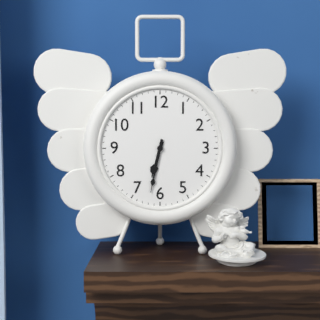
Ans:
h=6 m=32
